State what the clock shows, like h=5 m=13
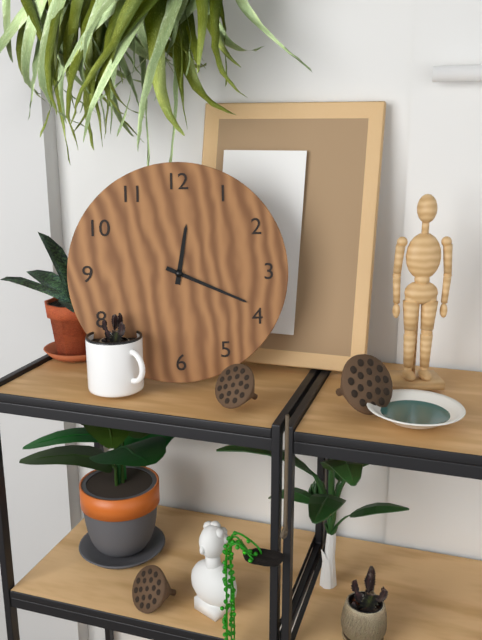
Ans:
h=12 m=19
